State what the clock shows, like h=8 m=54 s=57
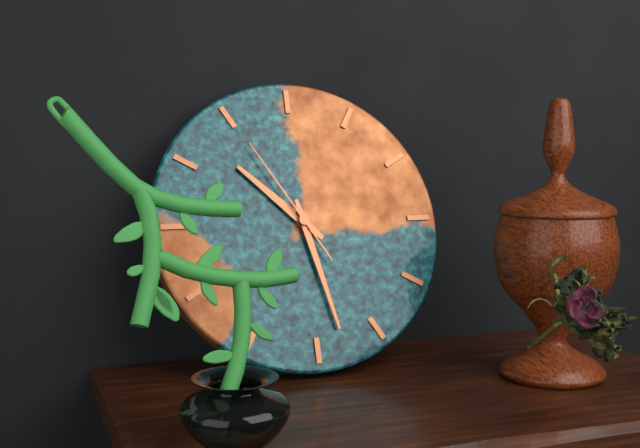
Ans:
h=10 m=28 s=55
